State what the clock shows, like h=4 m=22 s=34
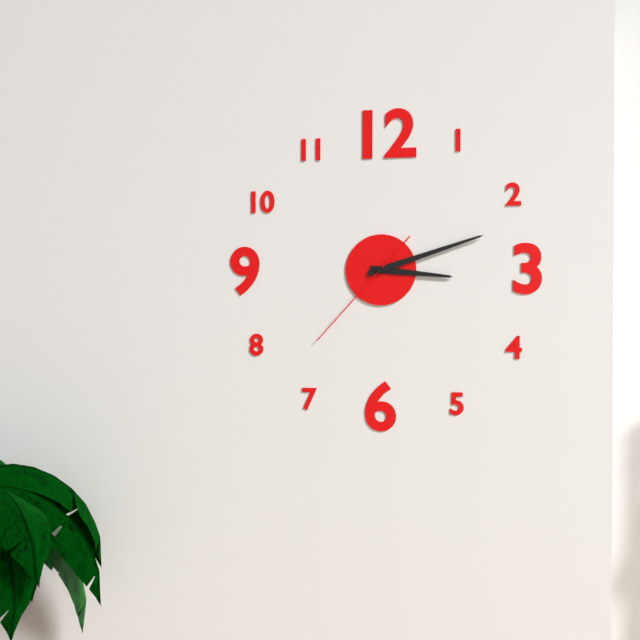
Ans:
h=3 m=12 s=37
